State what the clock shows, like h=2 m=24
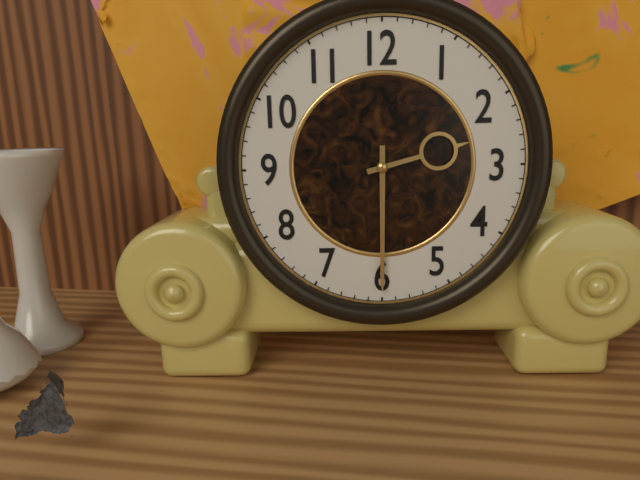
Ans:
h=2 m=30
